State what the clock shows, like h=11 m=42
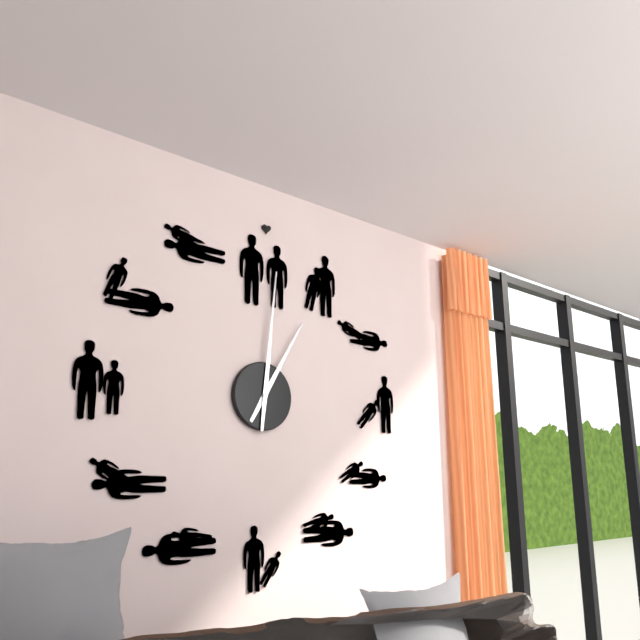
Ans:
h=1 m=1
